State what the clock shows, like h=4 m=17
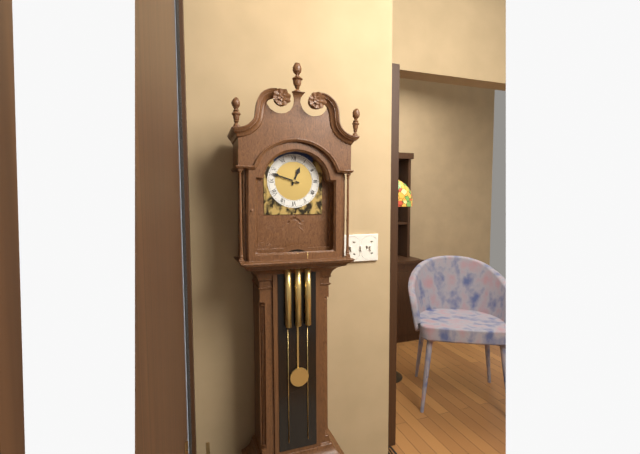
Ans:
h=12 m=48
